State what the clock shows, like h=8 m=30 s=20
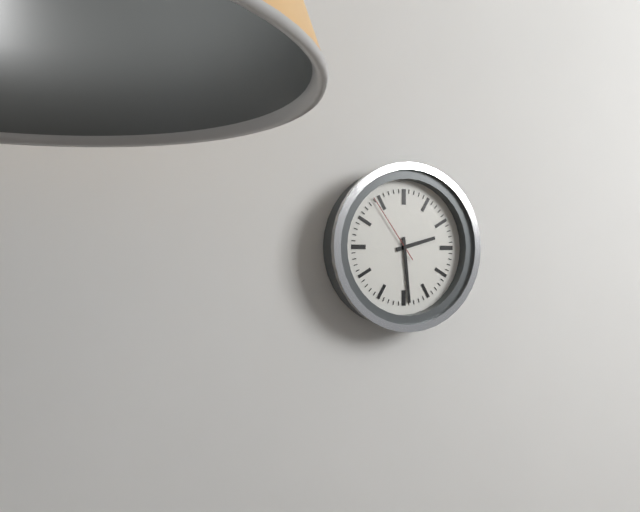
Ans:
h=2 m=29 s=54
